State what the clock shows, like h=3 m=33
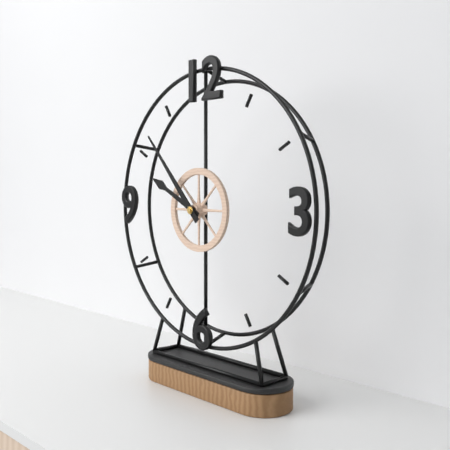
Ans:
h=9 m=53
